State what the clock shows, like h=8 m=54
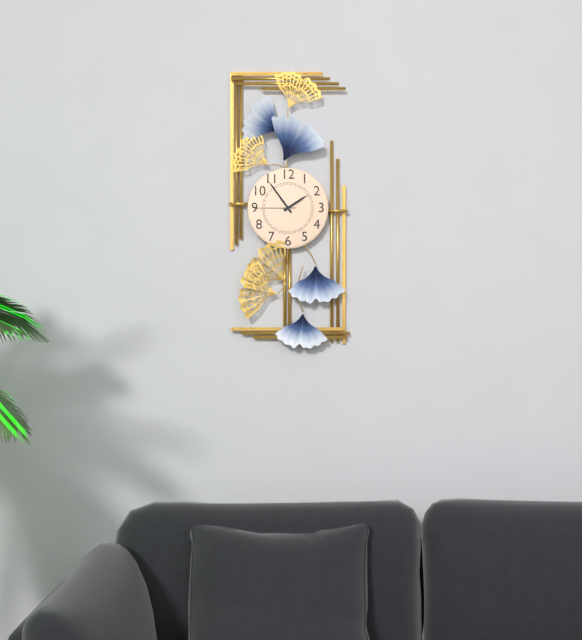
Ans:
h=1 m=54
